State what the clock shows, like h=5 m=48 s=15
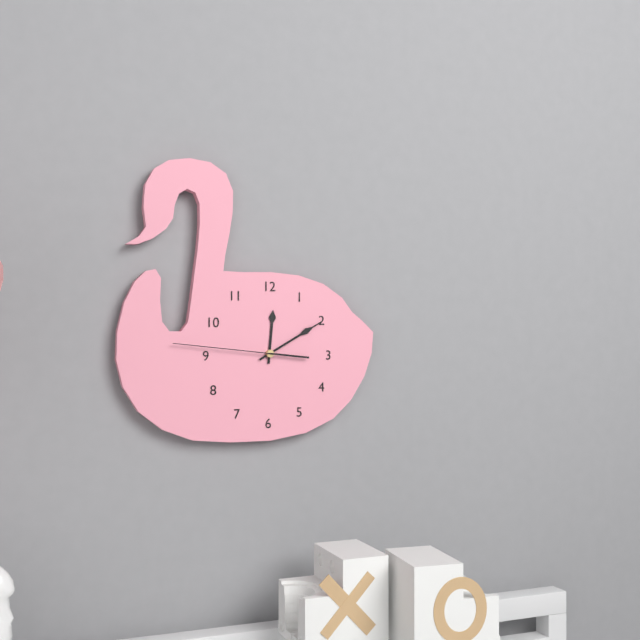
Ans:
h=12 m=10 s=46
